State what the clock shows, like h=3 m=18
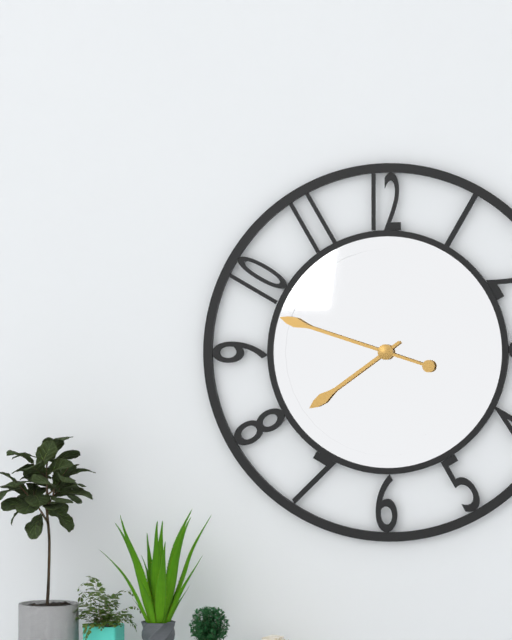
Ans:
h=7 m=48
